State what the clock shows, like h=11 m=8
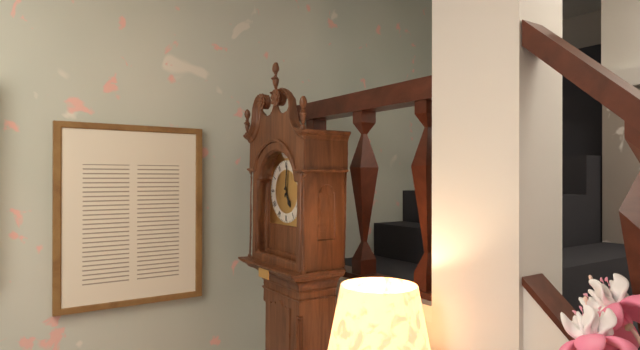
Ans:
h=5 m=1
